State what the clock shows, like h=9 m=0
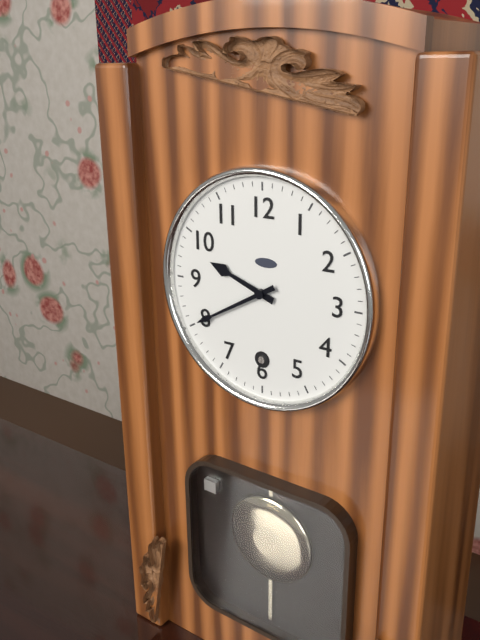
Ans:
h=9 m=40
